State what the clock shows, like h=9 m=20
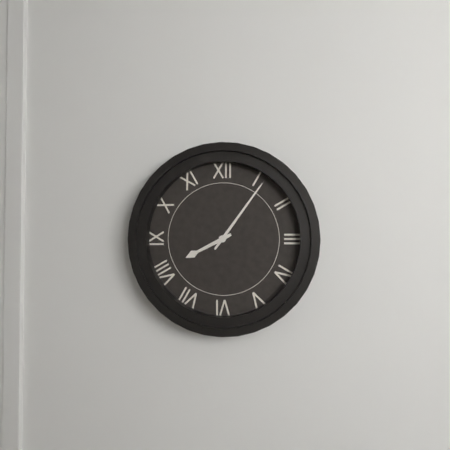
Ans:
h=8 m=6
